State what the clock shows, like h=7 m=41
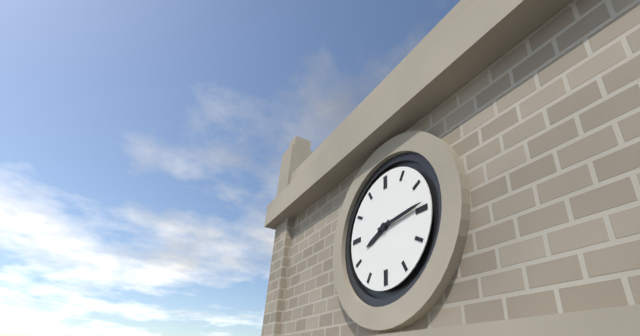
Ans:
h=8 m=14
